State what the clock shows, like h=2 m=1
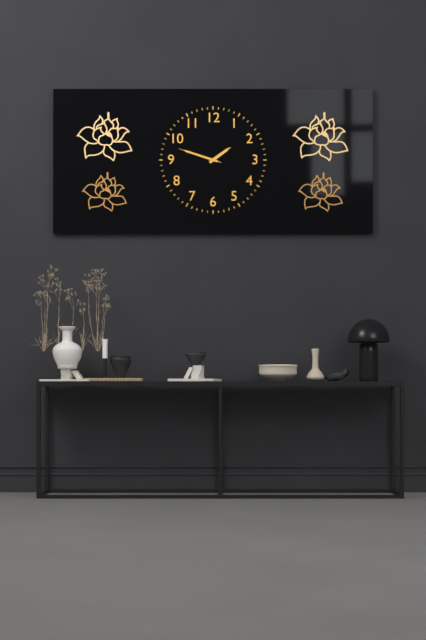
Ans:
h=1 m=48
